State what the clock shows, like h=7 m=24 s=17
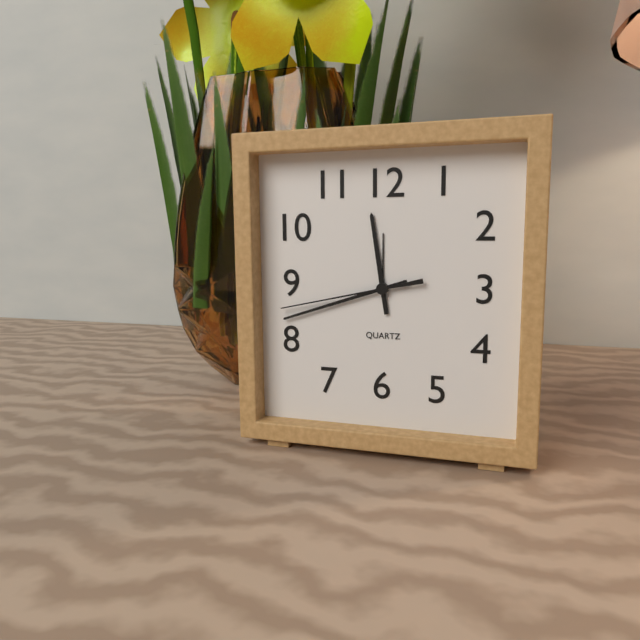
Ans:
h=11 m=42 s=43
